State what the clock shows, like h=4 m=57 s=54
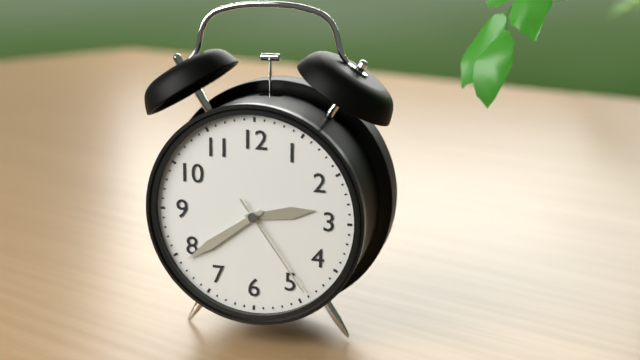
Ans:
h=2 m=39 s=24
